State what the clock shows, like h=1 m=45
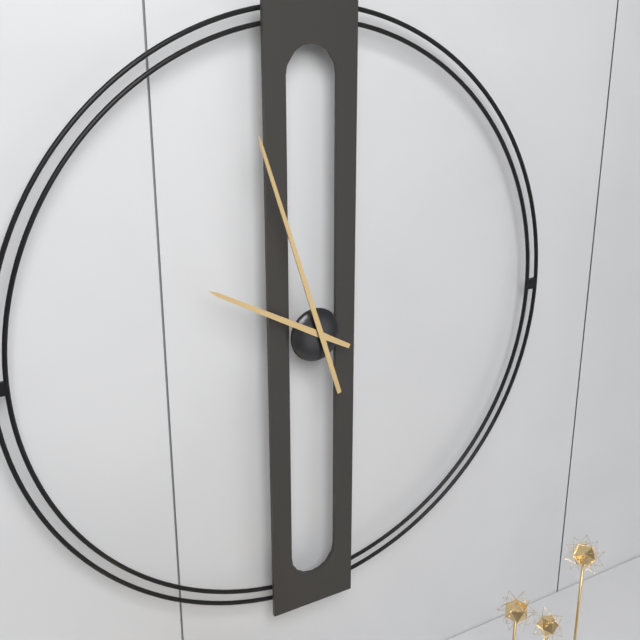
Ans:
h=9 m=57
